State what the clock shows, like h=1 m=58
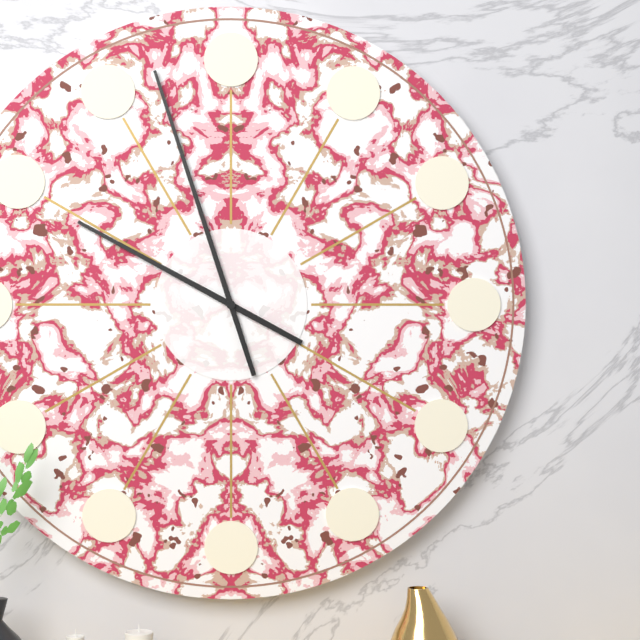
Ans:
h=9 m=57
